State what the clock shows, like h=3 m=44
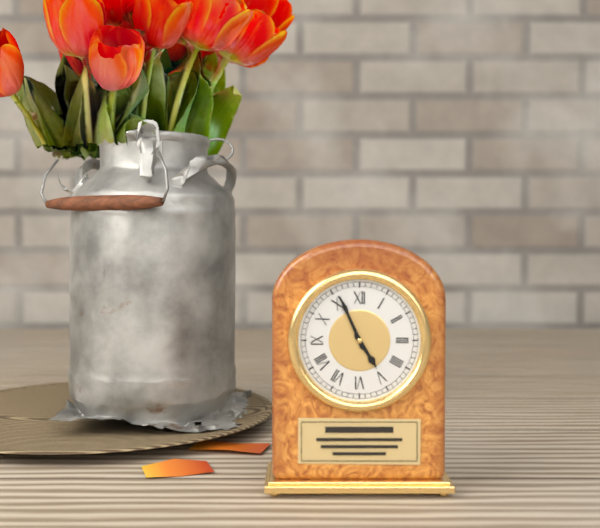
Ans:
h=4 m=56
